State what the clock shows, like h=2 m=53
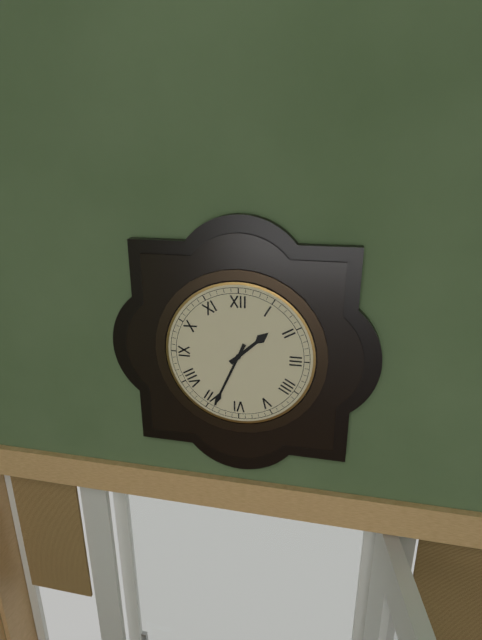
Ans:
h=1 m=34
